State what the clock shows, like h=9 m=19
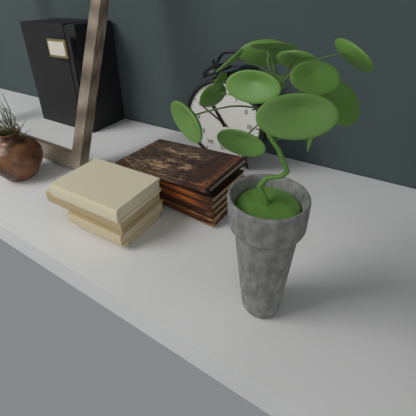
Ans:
h=10 m=50
